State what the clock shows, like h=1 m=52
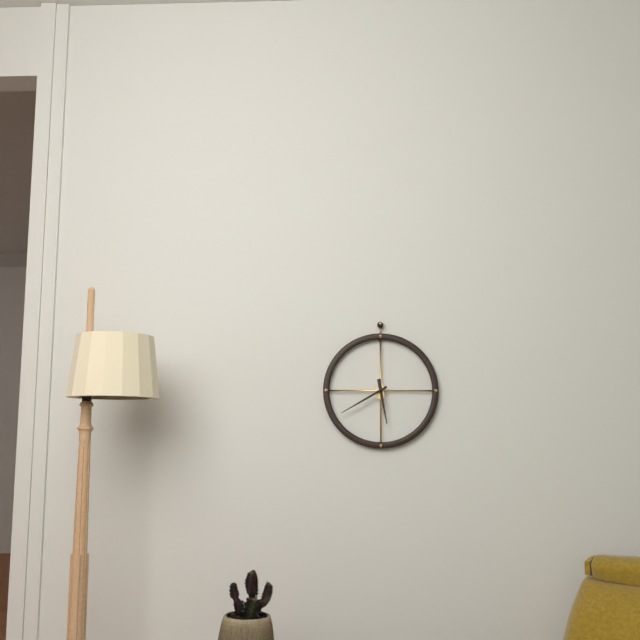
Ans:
h=5 m=40
